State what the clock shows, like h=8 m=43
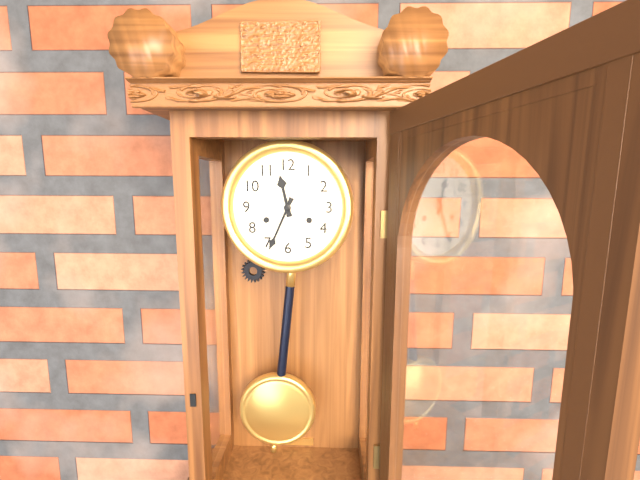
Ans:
h=11 m=34
